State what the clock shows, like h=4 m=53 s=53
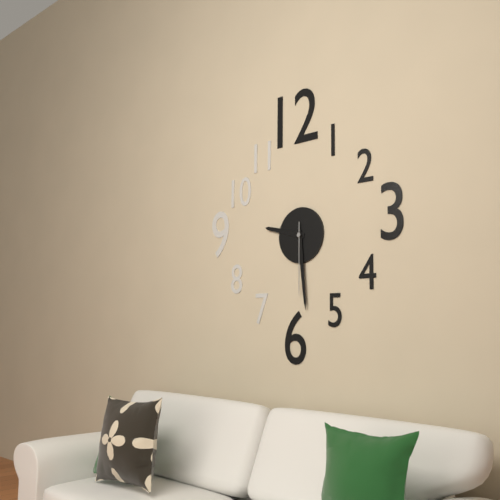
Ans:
h=9 m=29 s=30
